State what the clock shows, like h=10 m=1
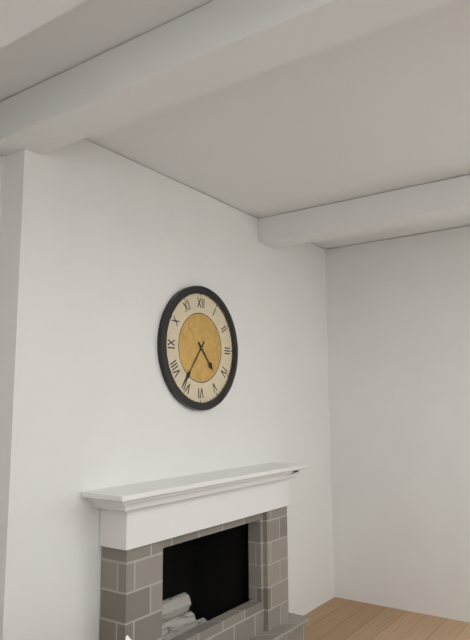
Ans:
h=4 m=36
